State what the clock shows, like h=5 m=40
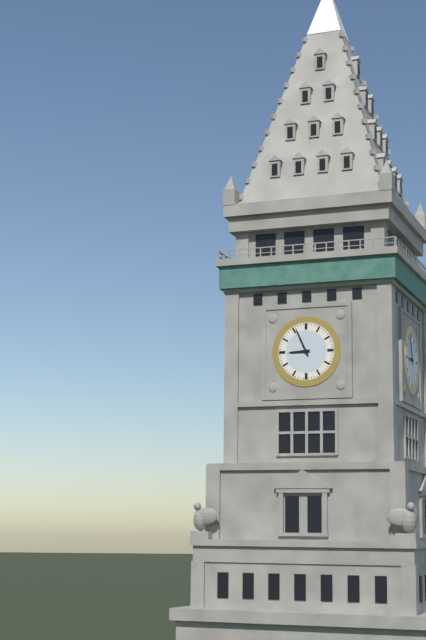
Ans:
h=8 m=56
